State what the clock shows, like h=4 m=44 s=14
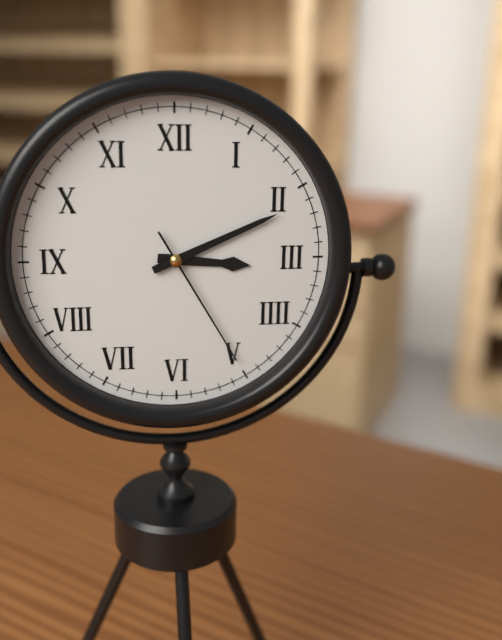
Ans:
h=3 m=11 s=25
